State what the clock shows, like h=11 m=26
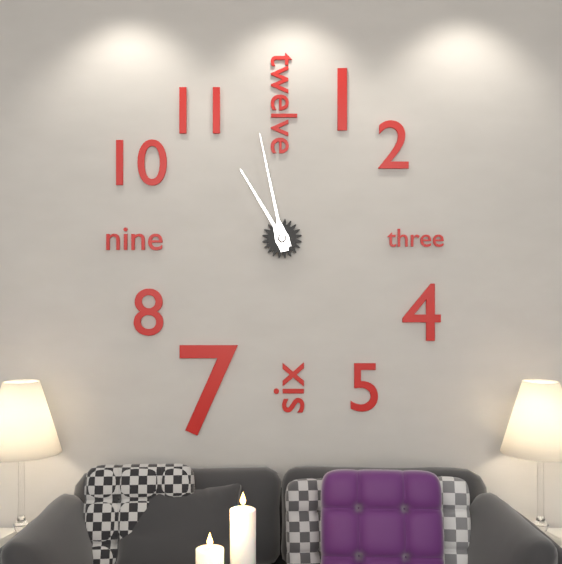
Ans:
h=10 m=58
